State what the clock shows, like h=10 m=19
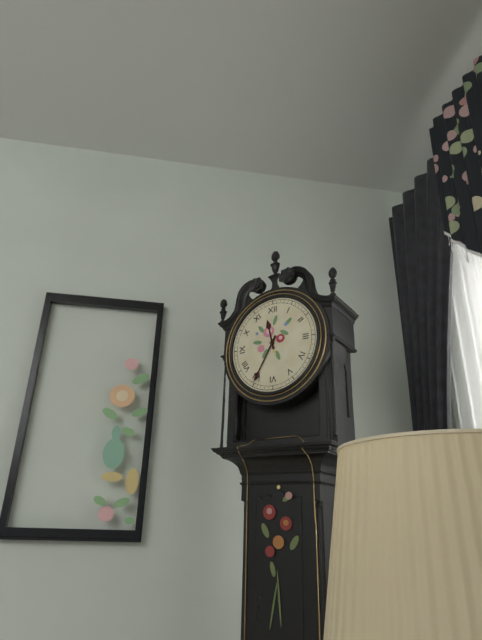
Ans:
h=11 m=35
